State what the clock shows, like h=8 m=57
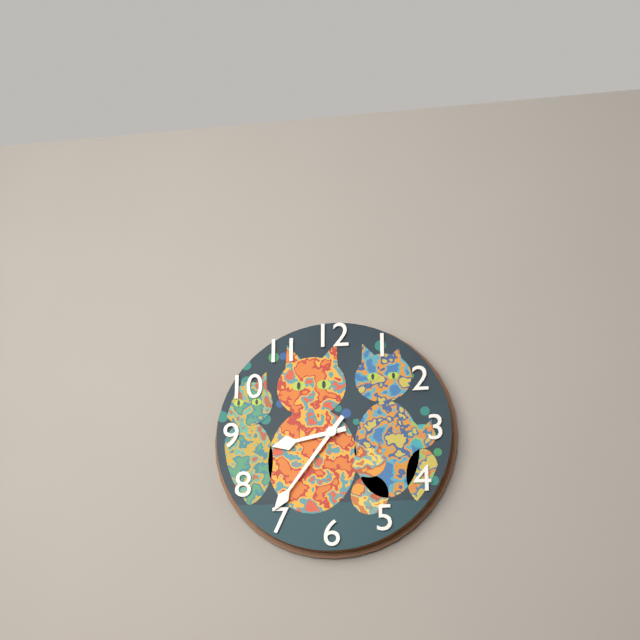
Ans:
h=8 m=36
